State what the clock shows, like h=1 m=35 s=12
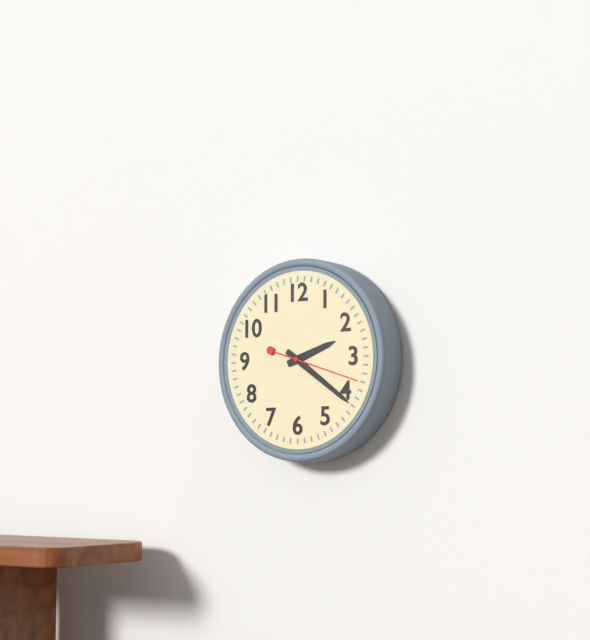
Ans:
h=2 m=21 s=18
